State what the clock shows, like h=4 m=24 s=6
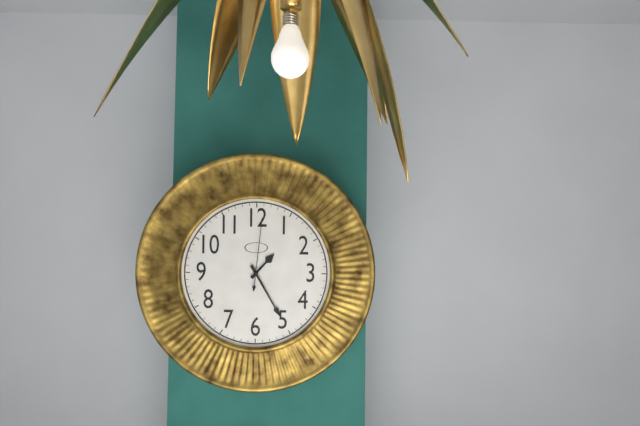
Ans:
h=1 m=25 s=1
